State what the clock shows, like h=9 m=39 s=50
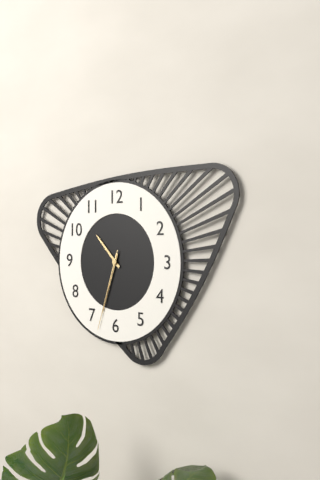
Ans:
h=10 m=33 s=33
